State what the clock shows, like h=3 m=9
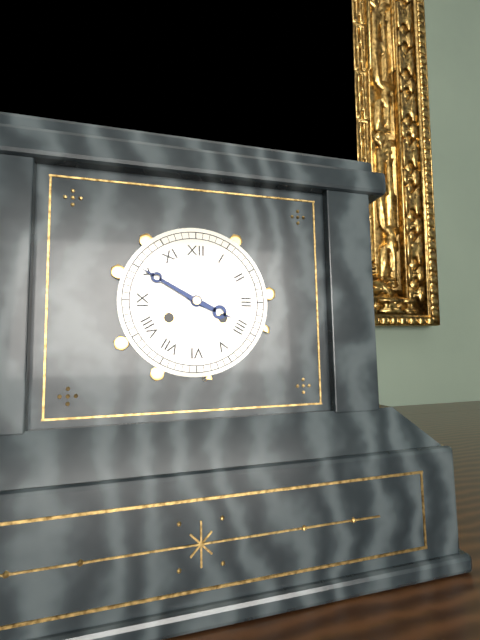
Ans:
h=3 m=50
